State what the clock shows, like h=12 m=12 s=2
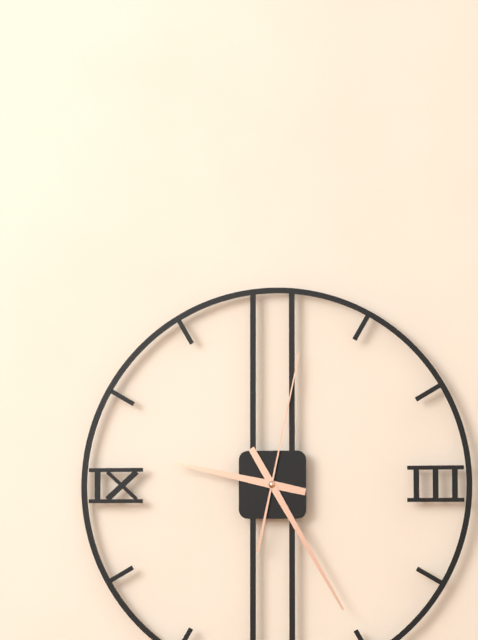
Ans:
h=9 m=25 s=2
